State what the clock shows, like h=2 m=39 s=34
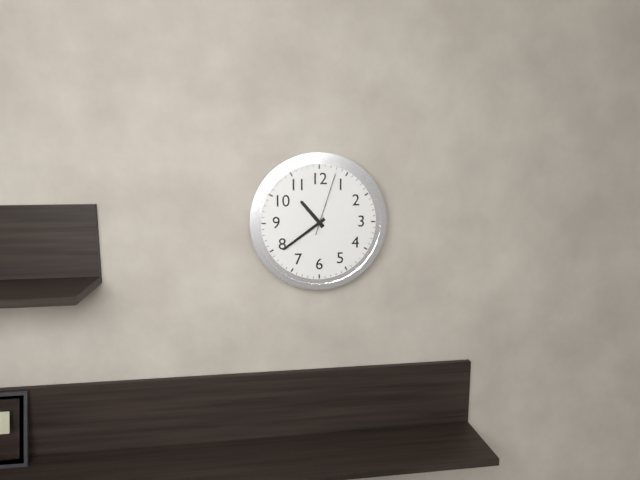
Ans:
h=10 m=39 s=3
